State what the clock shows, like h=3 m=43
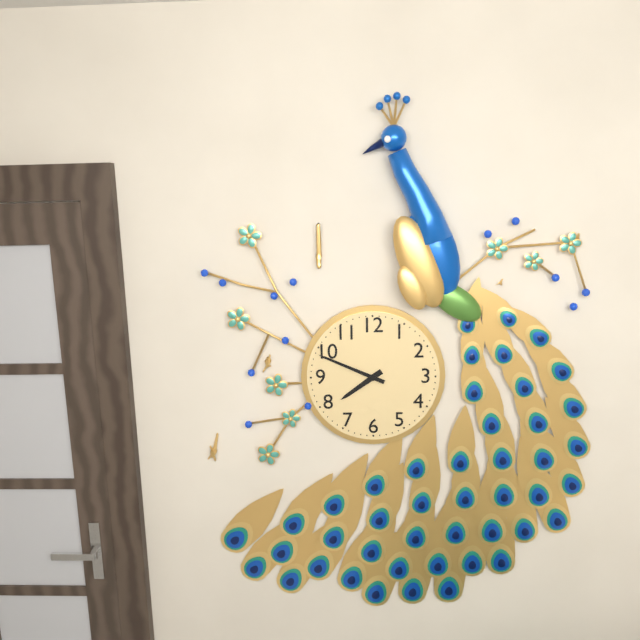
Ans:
h=7 m=49
